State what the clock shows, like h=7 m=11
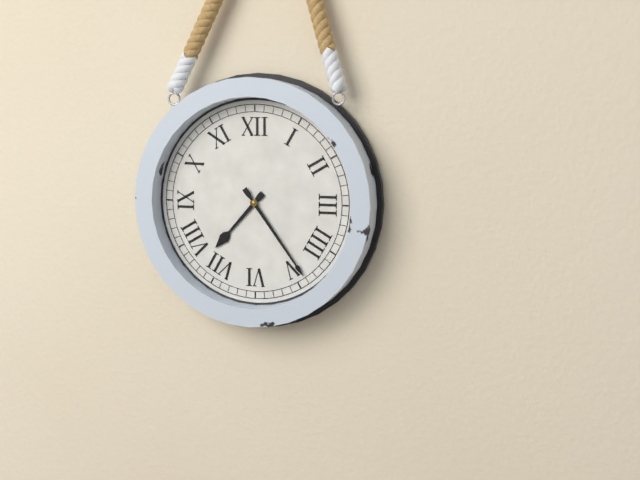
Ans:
h=7 m=24
